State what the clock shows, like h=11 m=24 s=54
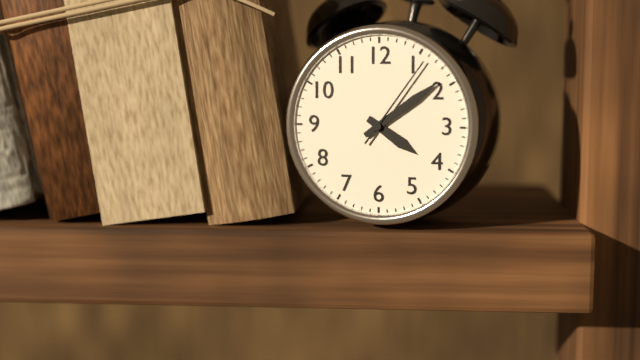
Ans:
h=4 m=9 s=6
